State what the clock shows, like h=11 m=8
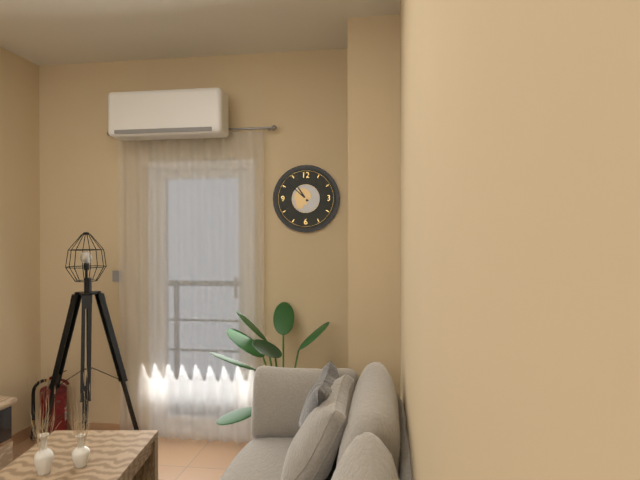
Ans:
h=10 m=52
